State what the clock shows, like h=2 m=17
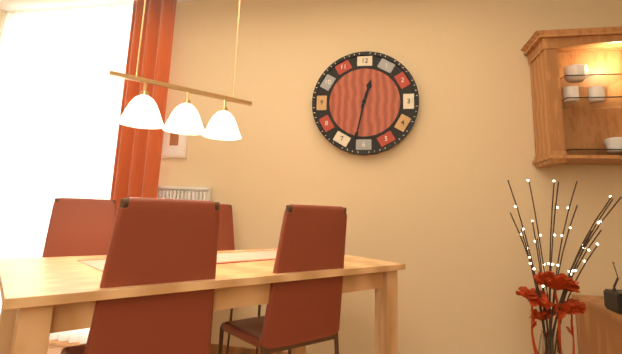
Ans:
h=12 m=32
